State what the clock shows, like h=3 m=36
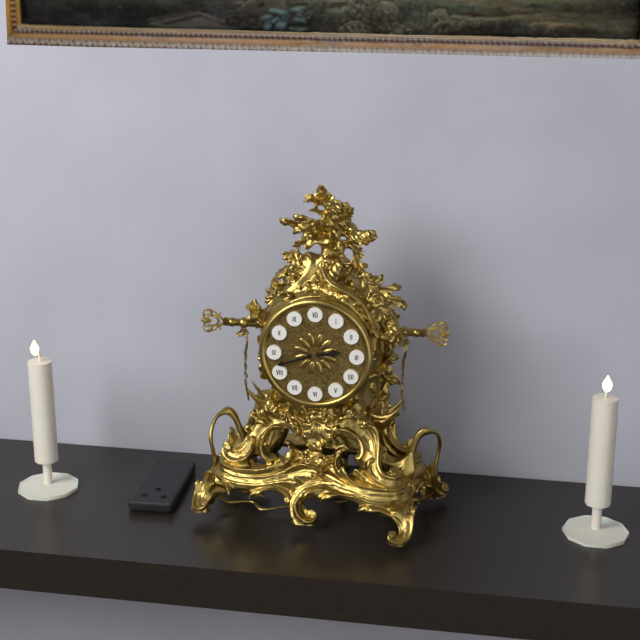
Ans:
h=2 m=42
